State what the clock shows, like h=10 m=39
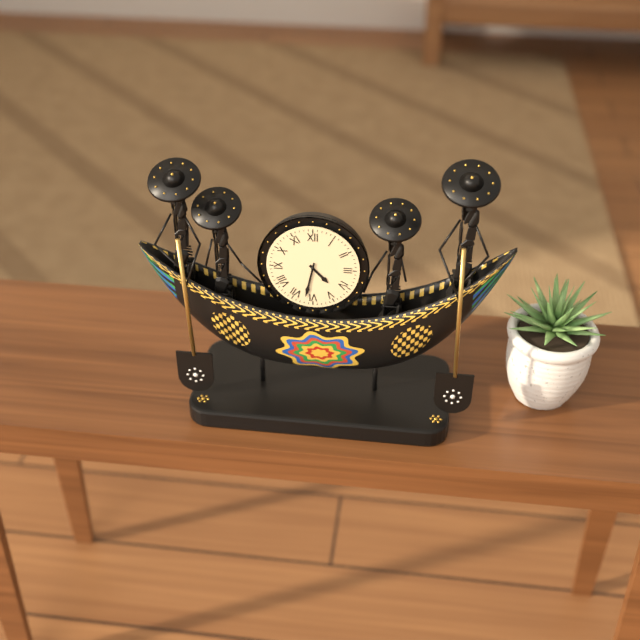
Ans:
h=4 m=32
